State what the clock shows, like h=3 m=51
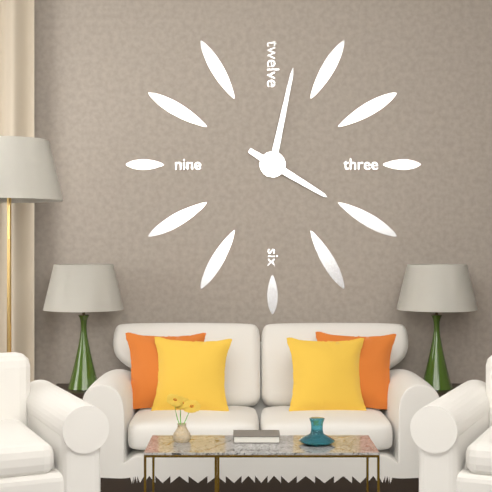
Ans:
h=4 m=2
